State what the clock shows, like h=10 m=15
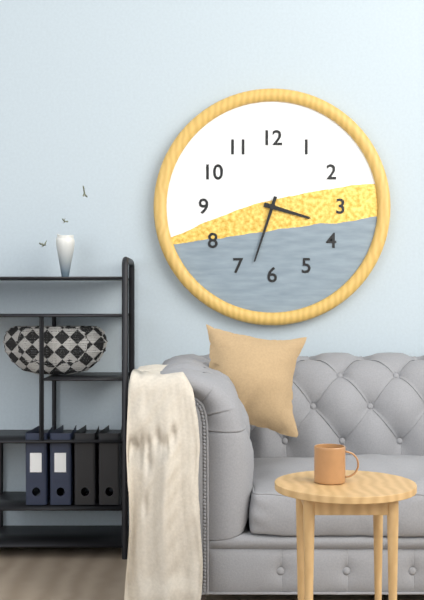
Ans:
h=3 m=33
